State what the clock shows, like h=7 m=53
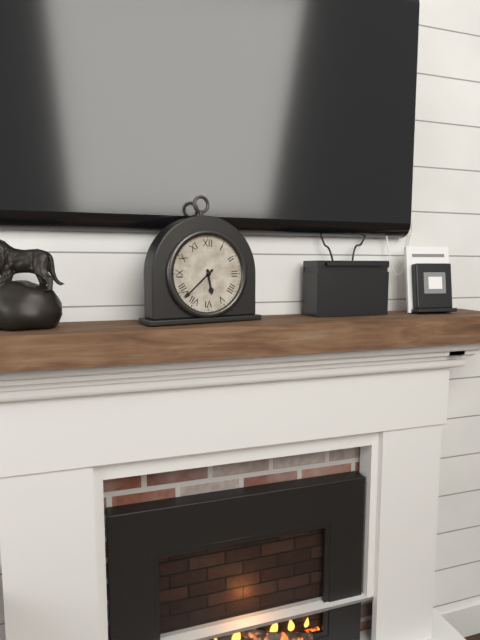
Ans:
h=5 m=38
